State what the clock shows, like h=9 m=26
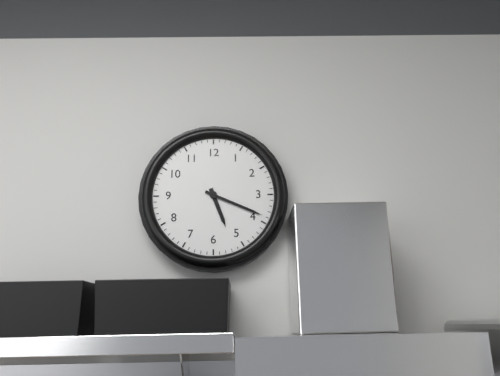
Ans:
h=5 m=19
